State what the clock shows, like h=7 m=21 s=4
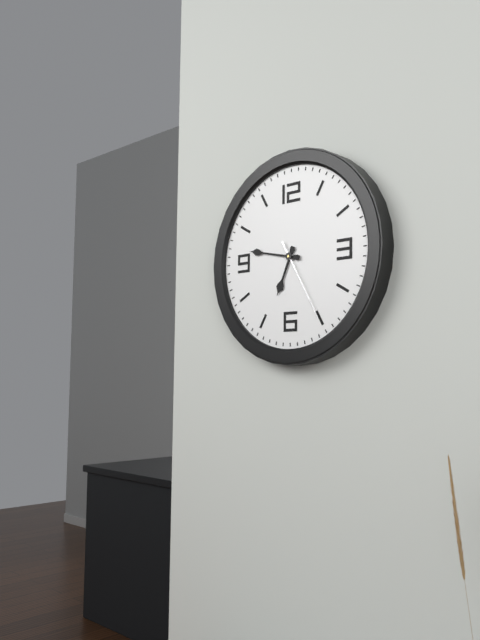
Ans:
h=6 m=47 s=25
